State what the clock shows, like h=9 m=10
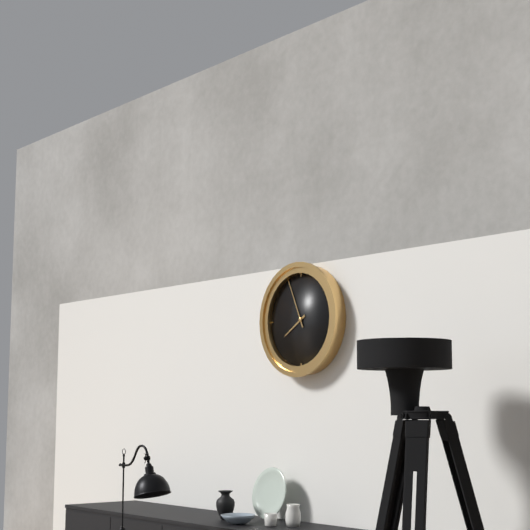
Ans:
h=7 m=56
